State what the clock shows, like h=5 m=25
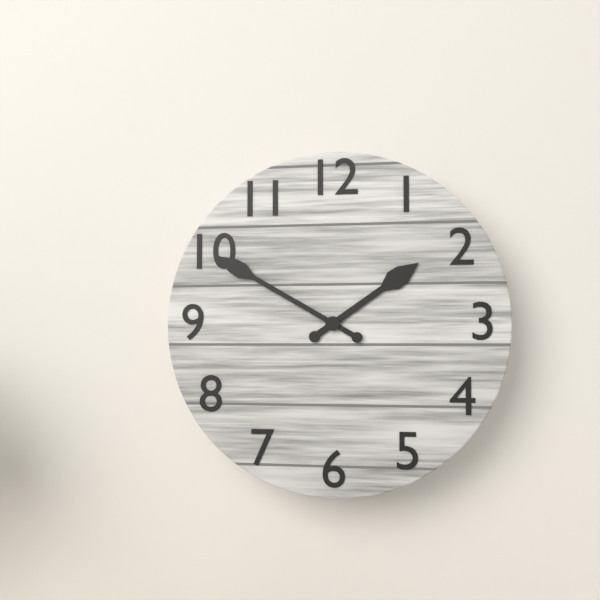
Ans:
h=1 m=50
